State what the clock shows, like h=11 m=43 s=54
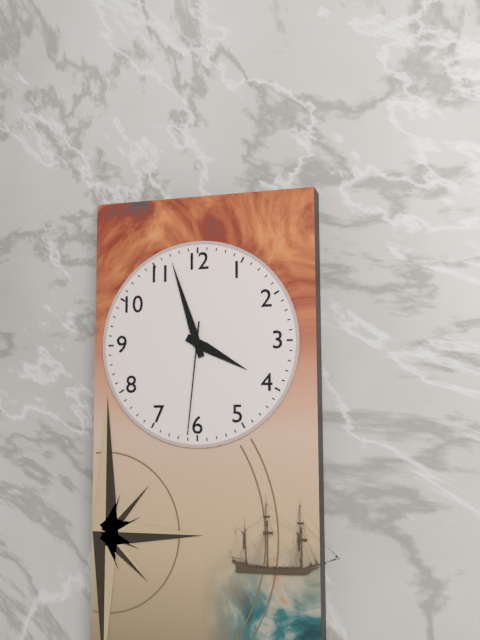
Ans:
h=3 m=57 s=31
